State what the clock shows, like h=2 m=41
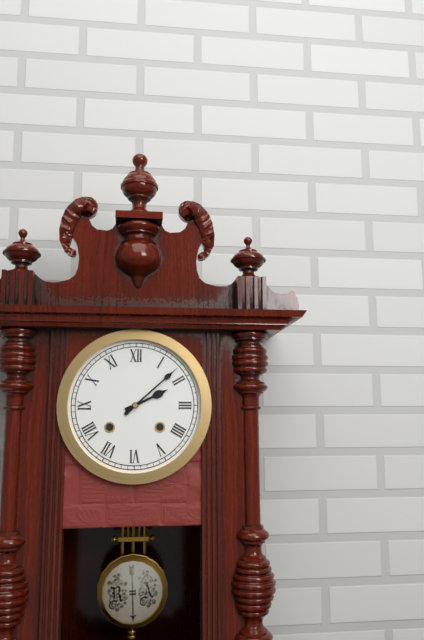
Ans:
h=2 m=8
